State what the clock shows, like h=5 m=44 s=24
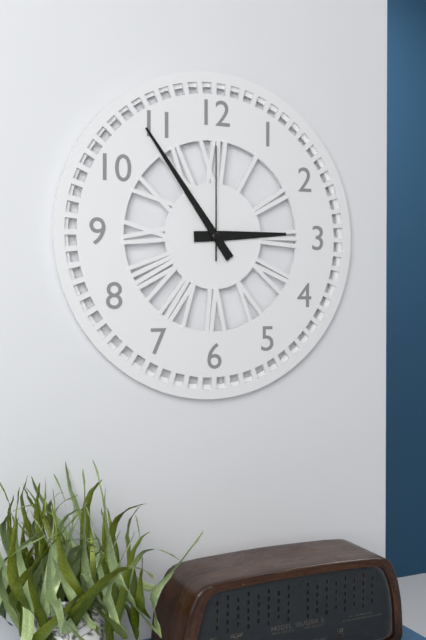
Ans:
h=2 m=54 s=0
